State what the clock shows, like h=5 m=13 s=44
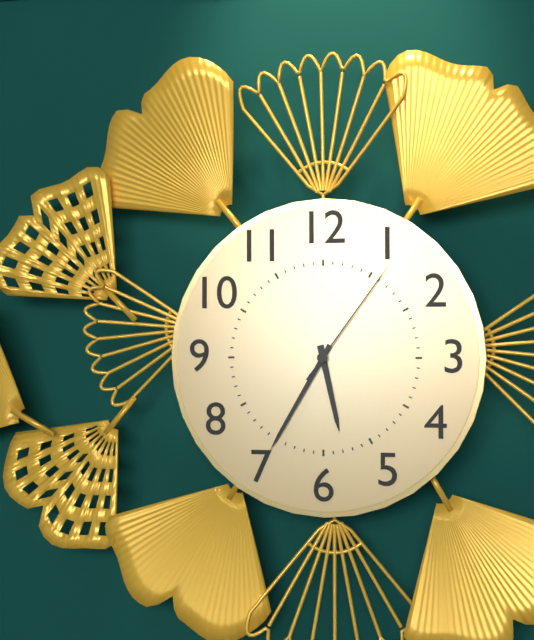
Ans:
h=5 m=35 s=6
